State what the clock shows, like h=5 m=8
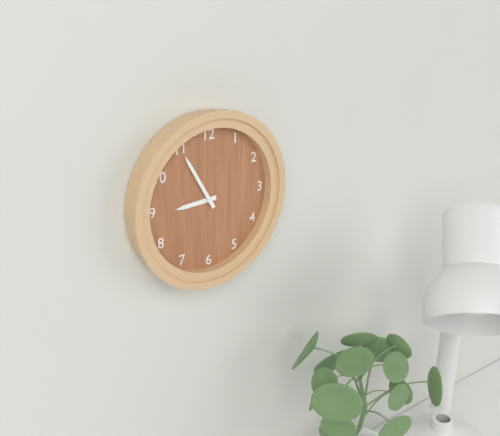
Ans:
h=8 m=55
